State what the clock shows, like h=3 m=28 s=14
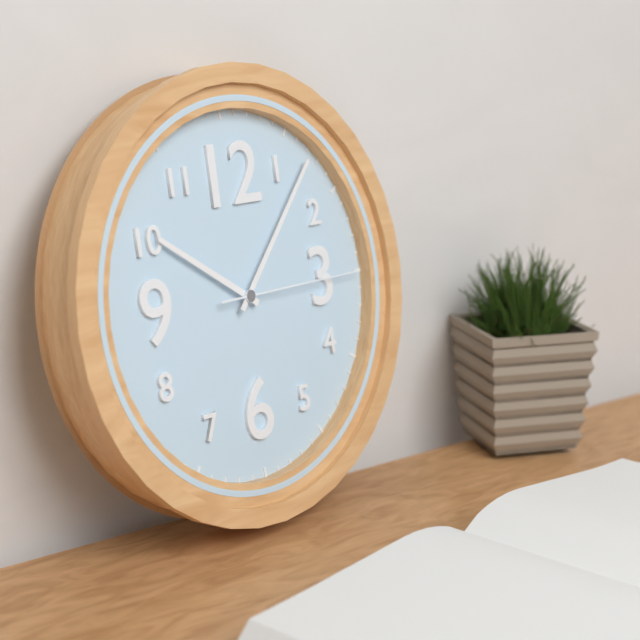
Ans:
h=10 m=7 s=15
